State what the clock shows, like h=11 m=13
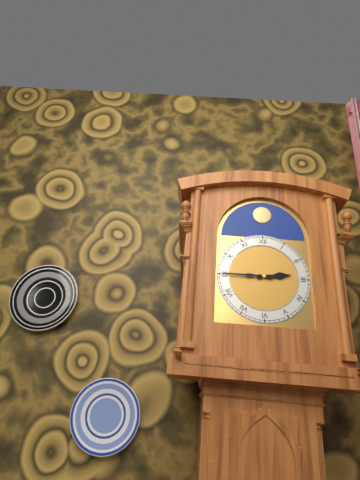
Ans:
h=2 m=45
